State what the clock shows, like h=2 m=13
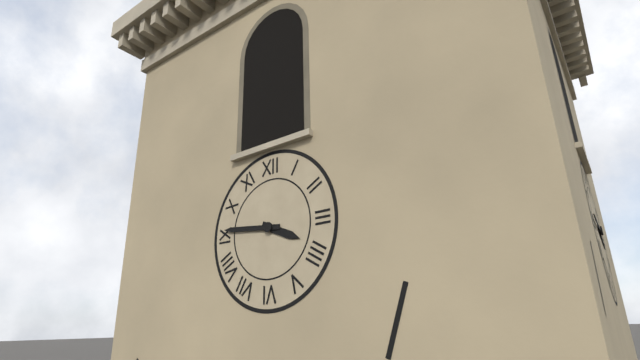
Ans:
h=3 m=46
